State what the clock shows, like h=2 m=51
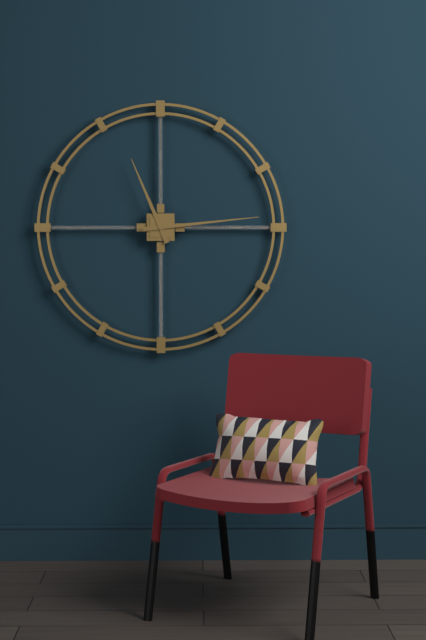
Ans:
h=11 m=14
